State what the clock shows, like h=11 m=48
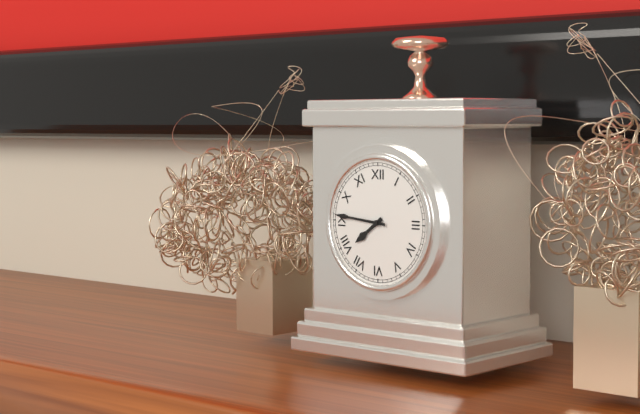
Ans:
h=7 m=46
